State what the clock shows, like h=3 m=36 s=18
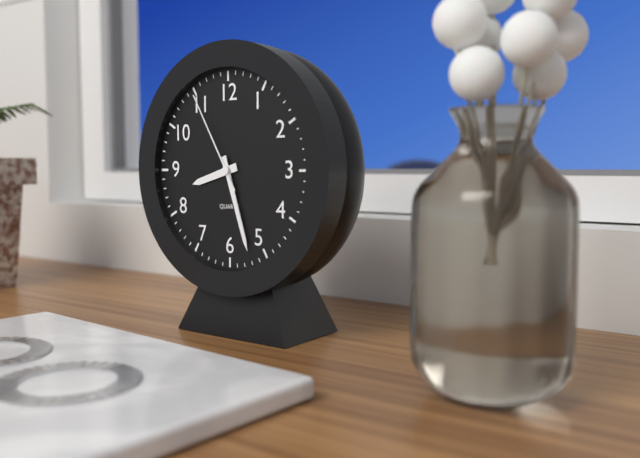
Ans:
h=8 m=27 s=55
